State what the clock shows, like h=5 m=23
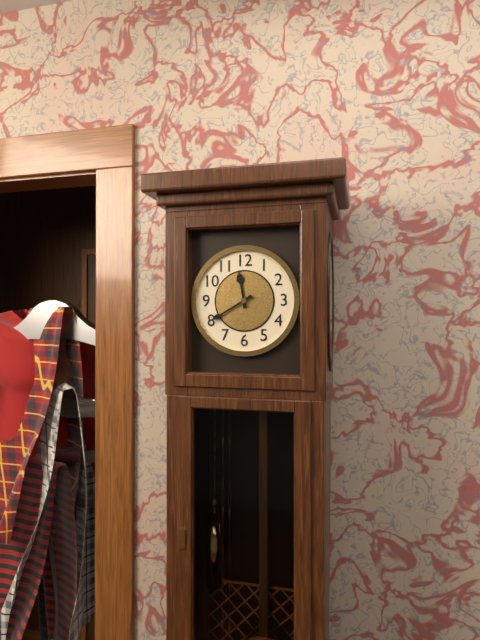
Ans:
h=11 m=40
